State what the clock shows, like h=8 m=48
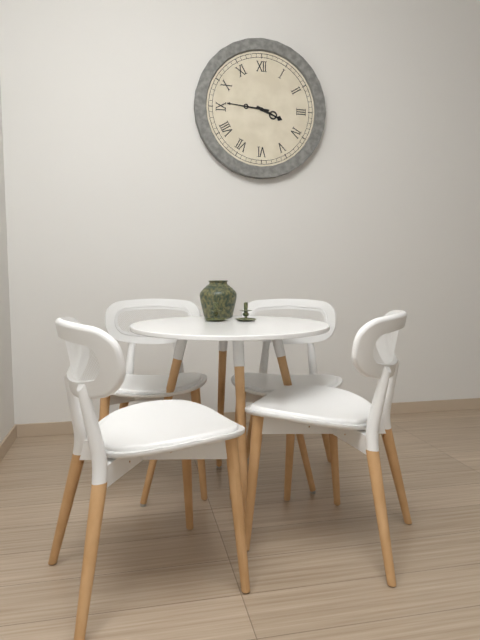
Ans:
h=3 m=46
